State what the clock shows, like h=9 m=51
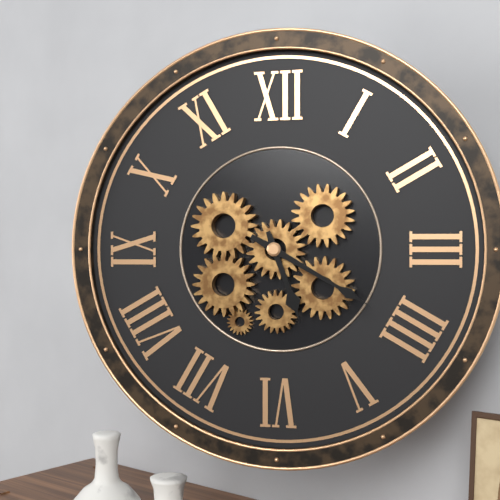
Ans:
h=5 m=20
